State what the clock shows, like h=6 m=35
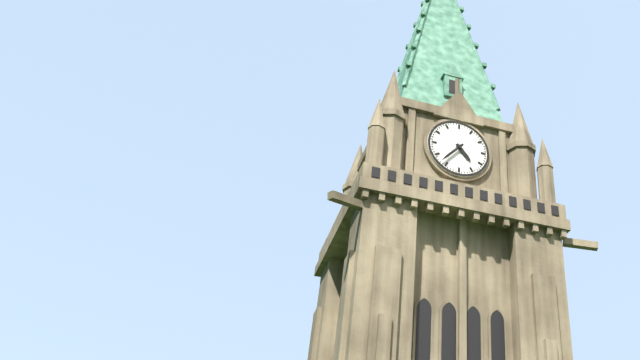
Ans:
h=4 m=37
